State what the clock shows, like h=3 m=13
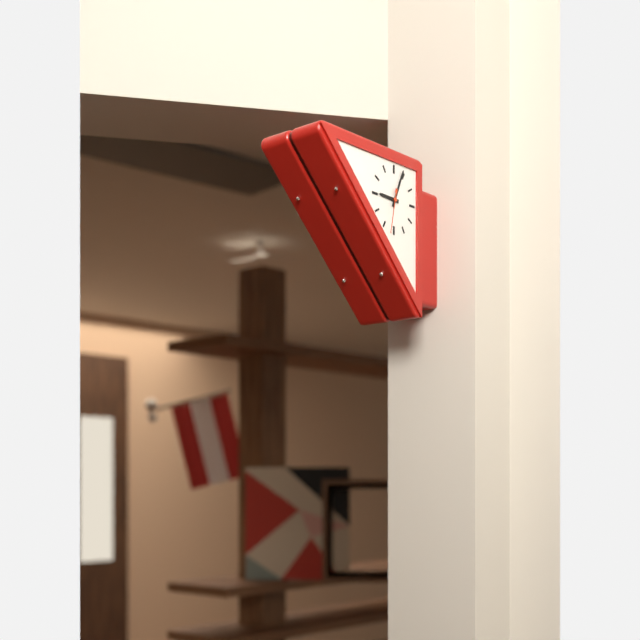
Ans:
h=9 m=4
